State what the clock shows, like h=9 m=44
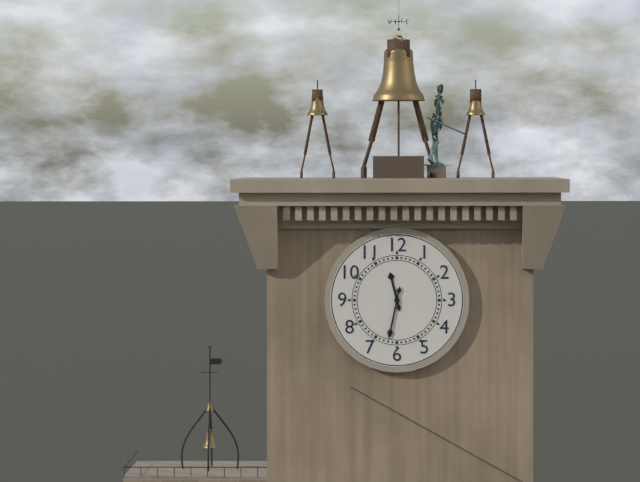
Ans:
h=11 m=32
